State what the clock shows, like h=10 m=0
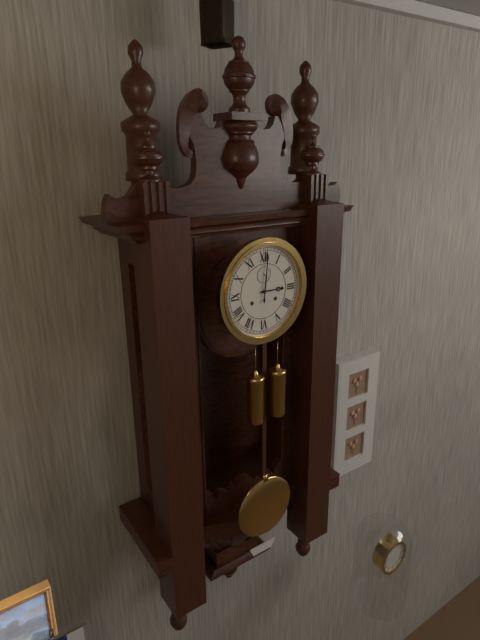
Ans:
h=3 m=1
